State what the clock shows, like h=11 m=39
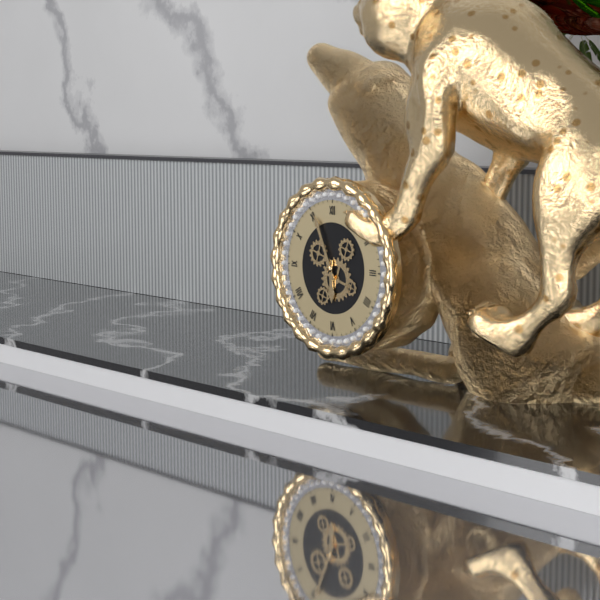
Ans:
h=5 m=56
